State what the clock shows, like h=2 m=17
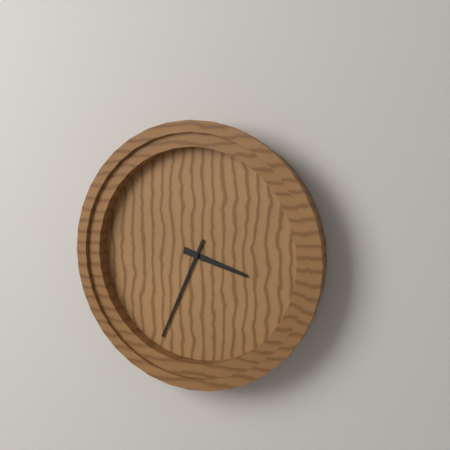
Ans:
h=3 m=34
